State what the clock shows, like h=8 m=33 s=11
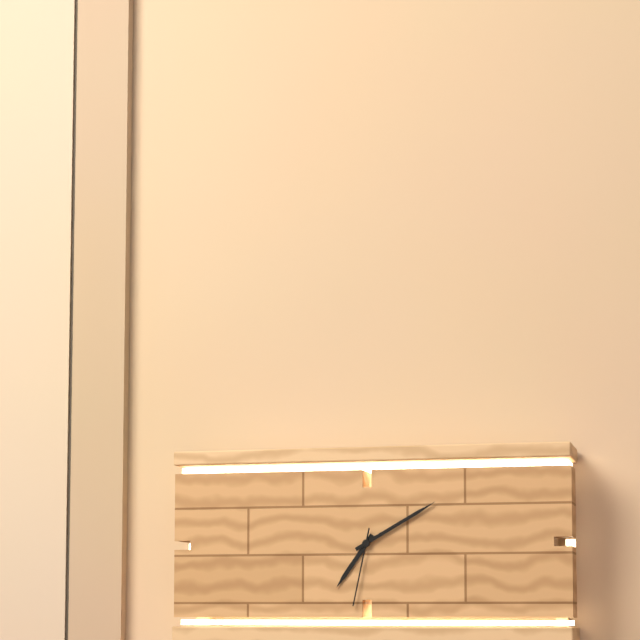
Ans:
h=7 m=10 s=32
